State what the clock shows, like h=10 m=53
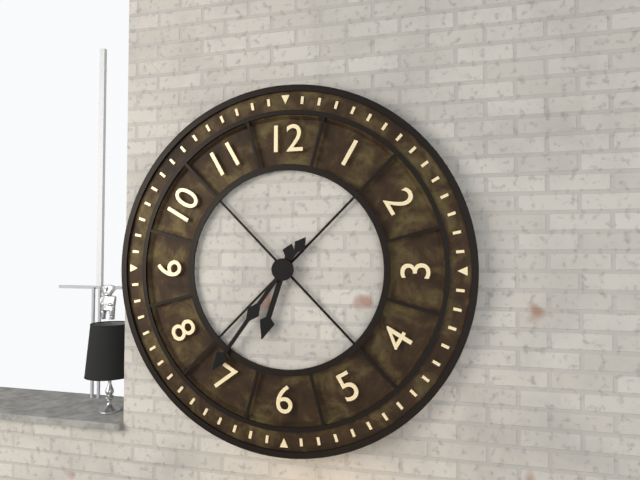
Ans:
h=6 m=36
